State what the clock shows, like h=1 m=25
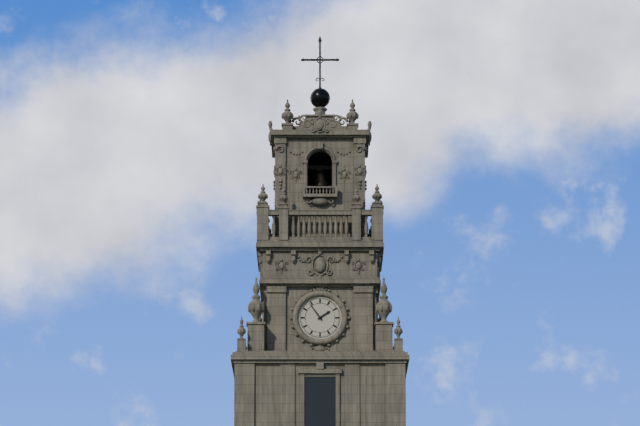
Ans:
h=1 m=54
